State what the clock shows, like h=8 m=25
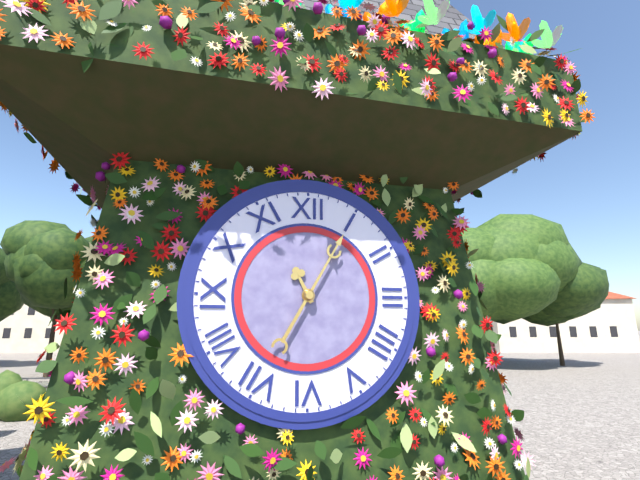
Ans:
h=11 m=5
